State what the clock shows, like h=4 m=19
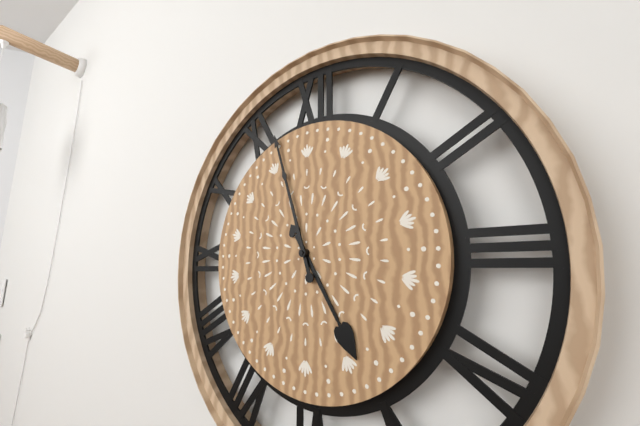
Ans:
h=4 m=57
